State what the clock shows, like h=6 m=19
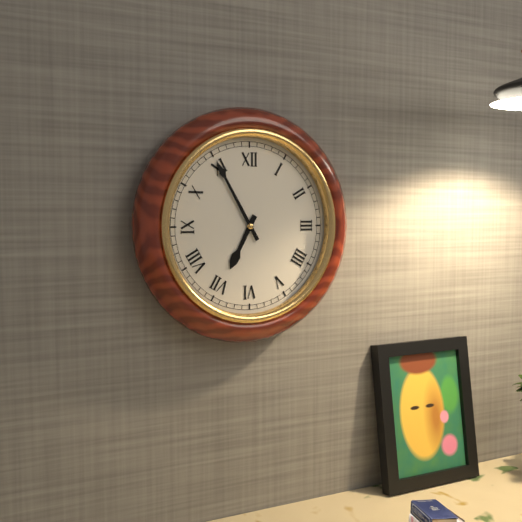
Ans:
h=6 m=55
